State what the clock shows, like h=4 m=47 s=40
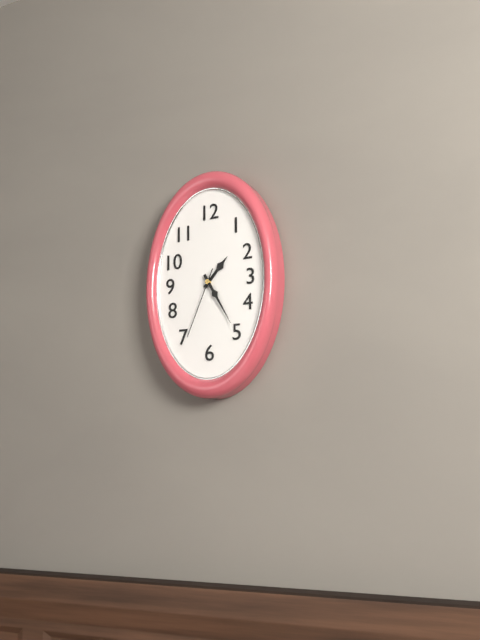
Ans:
h=1 m=25 s=34
